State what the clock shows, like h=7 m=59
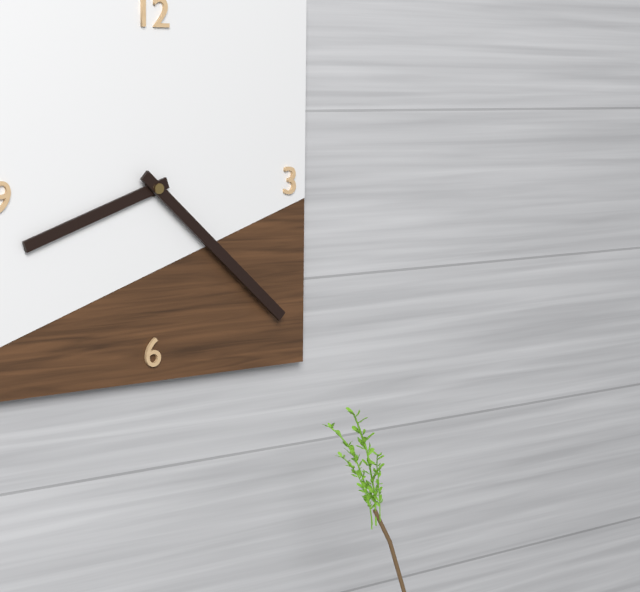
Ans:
h=8 m=22
